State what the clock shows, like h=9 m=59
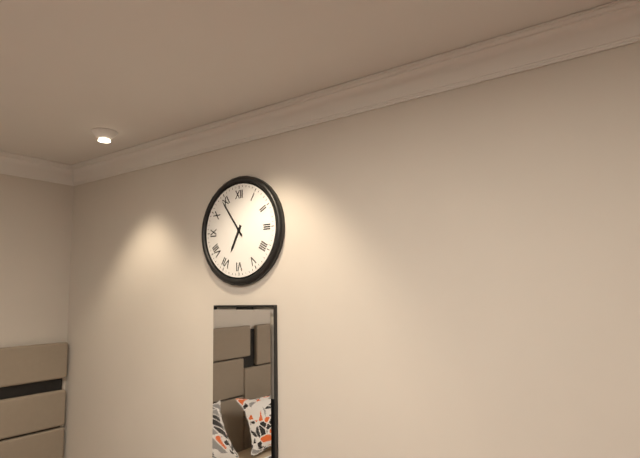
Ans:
h=6 m=54
